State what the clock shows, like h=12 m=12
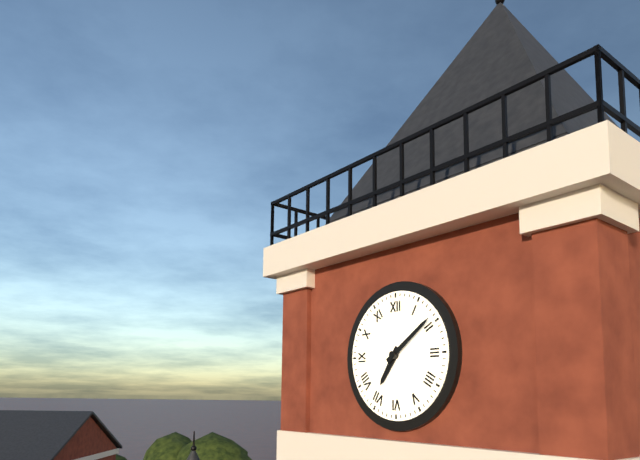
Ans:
h=7 m=9
